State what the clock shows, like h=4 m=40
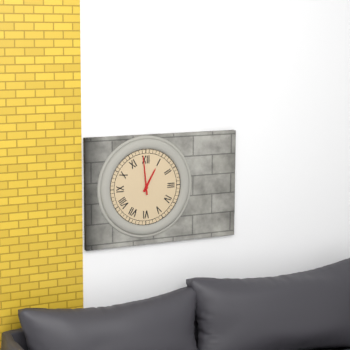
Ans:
h=12 m=59
